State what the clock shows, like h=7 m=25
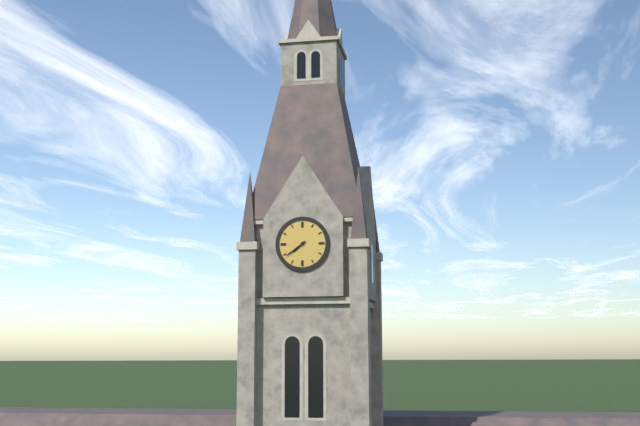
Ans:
h=7 m=39
